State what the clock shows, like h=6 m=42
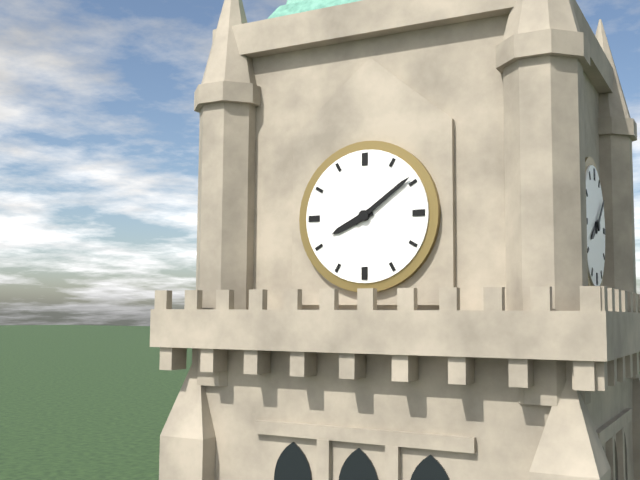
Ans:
h=8 m=9
